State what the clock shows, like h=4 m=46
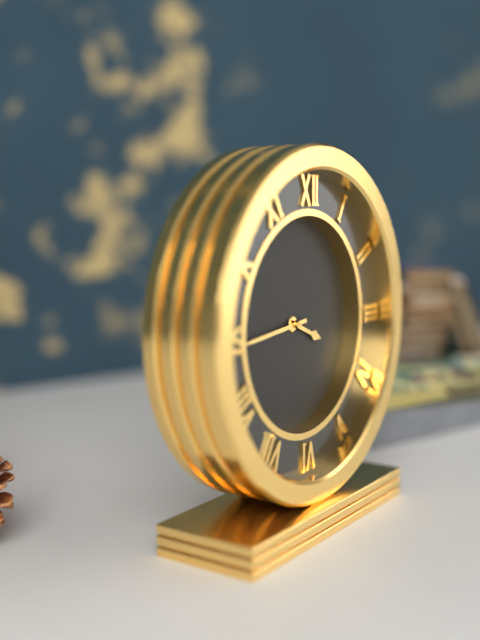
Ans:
h=3 m=44
